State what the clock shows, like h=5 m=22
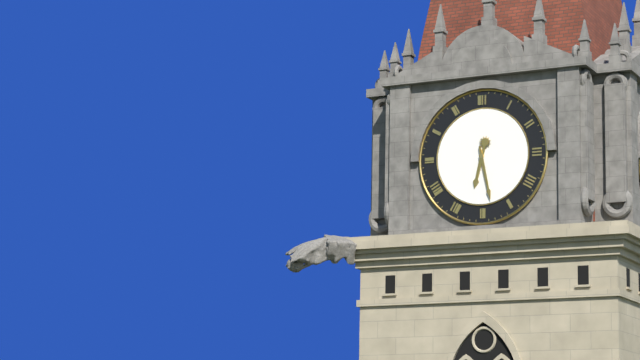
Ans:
h=6 m=28
